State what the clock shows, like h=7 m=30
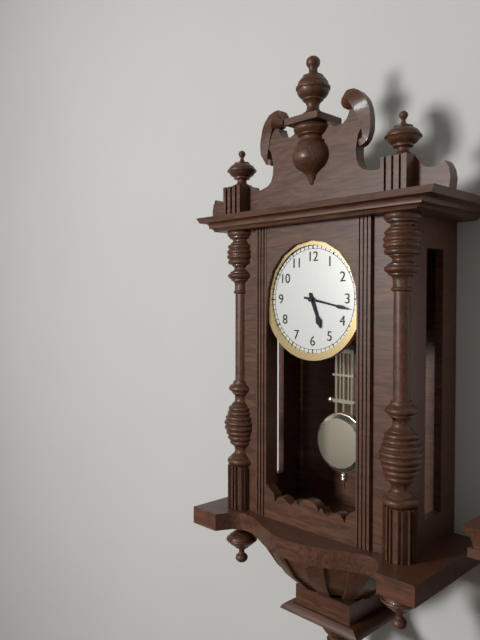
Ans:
h=5 m=17
